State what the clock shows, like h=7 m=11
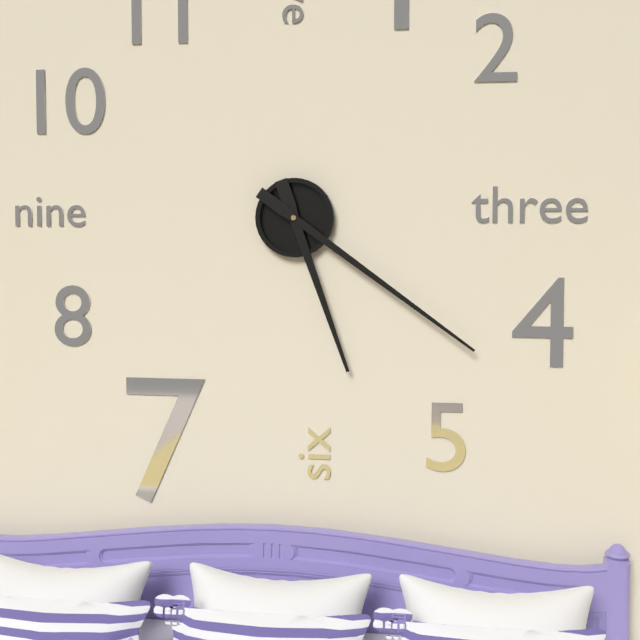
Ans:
h=5 m=21
